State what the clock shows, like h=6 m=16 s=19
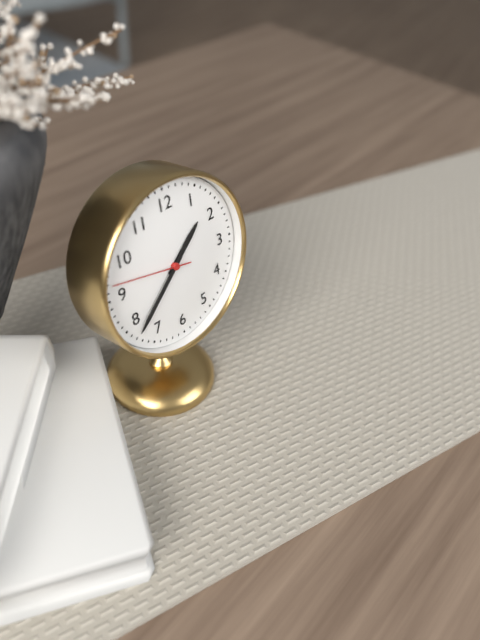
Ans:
h=1 m=38 s=47
